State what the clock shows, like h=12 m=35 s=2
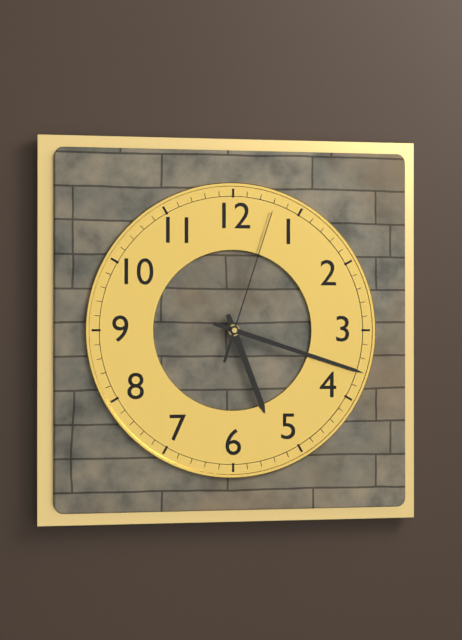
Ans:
h=5 m=18 s=3
